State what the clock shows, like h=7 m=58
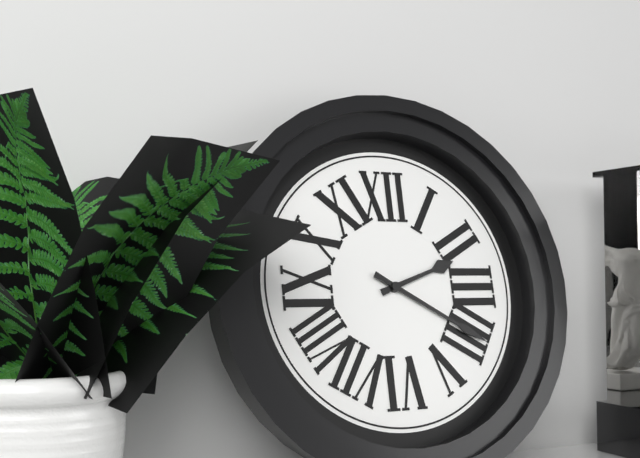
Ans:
h=2 m=20
